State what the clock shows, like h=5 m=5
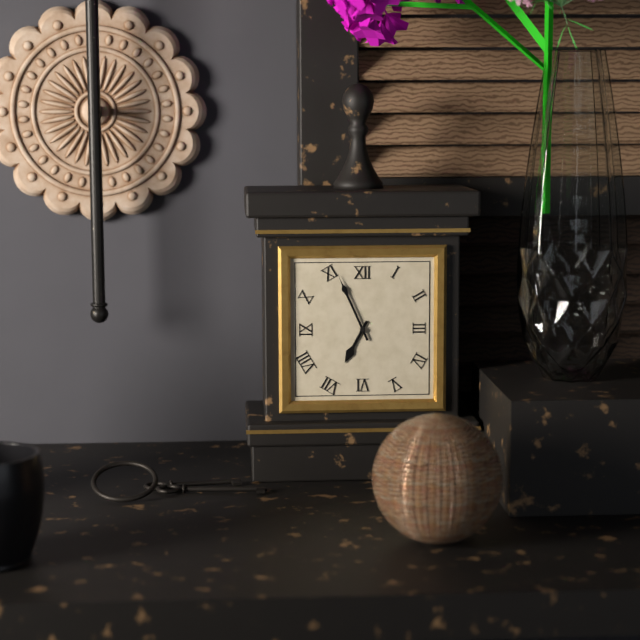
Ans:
h=6 m=56
